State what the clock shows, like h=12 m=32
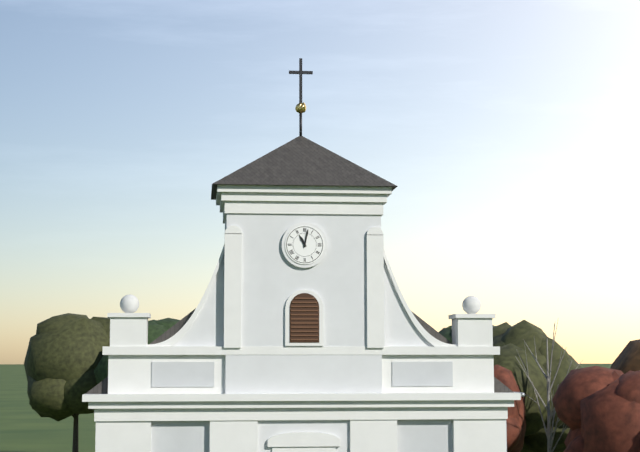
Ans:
h=11 m=2
